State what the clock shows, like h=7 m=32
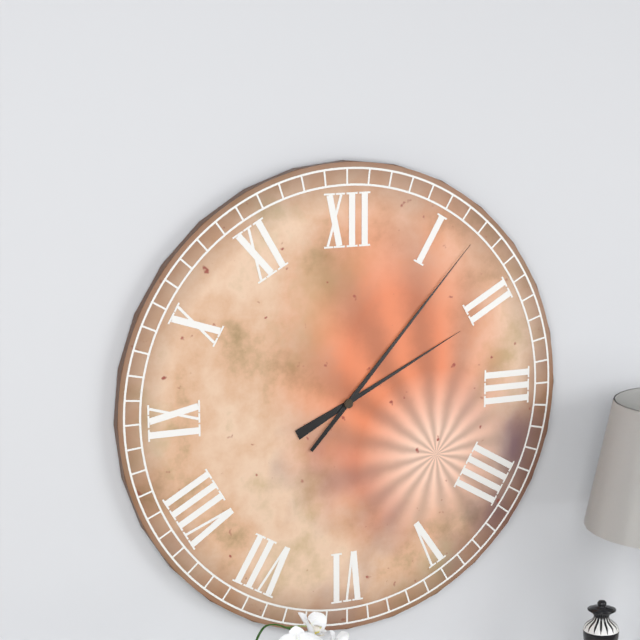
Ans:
h=2 m=7
